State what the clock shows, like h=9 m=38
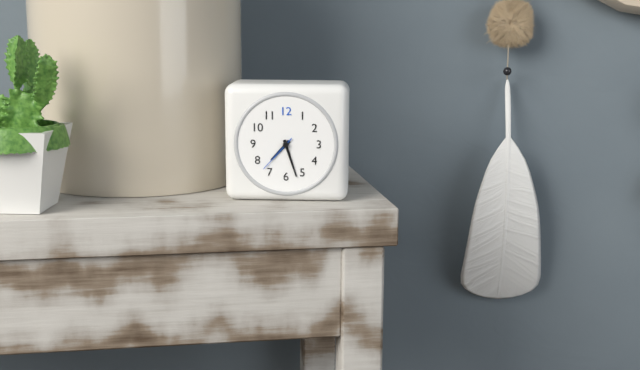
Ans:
h=7 m=27
